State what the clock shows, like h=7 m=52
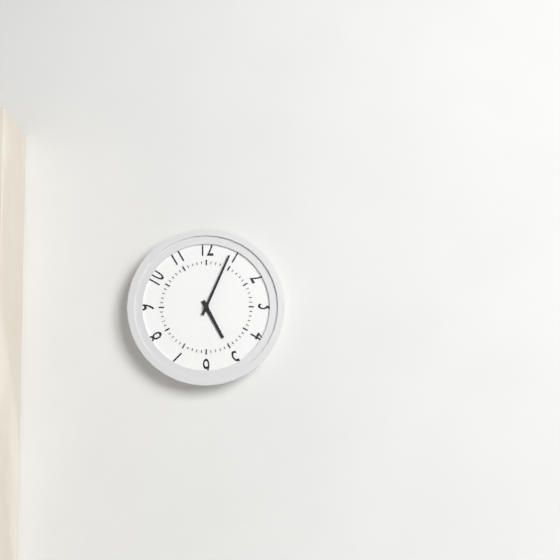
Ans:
h=5 m=4
